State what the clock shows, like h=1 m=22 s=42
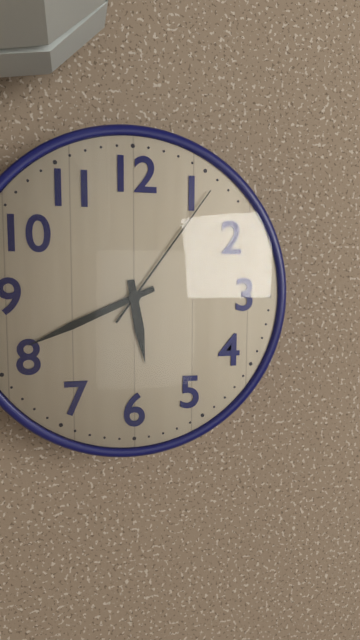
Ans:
h=5 m=41 s=6
